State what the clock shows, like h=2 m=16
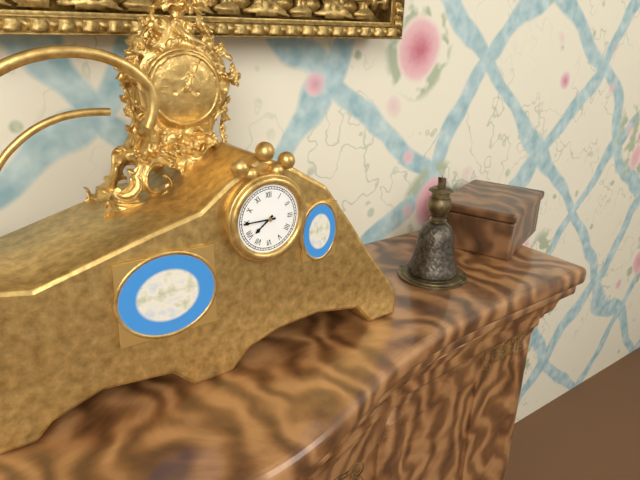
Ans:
h=7 m=45
